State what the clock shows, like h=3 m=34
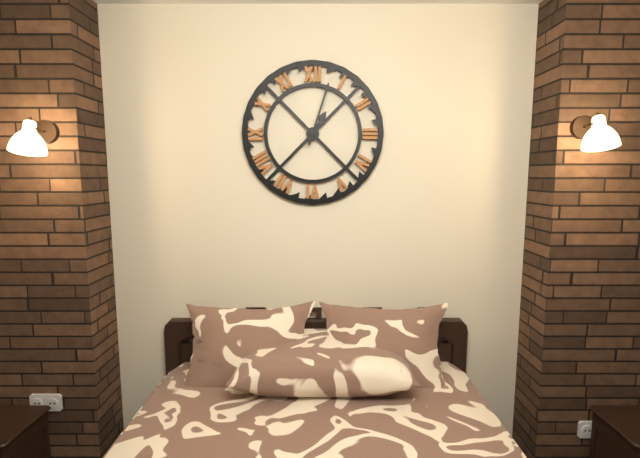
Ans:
h=1 m=3
